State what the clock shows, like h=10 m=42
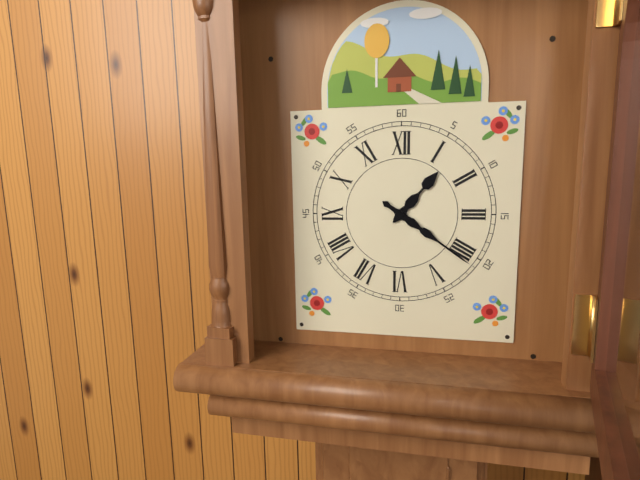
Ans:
h=1 m=21
